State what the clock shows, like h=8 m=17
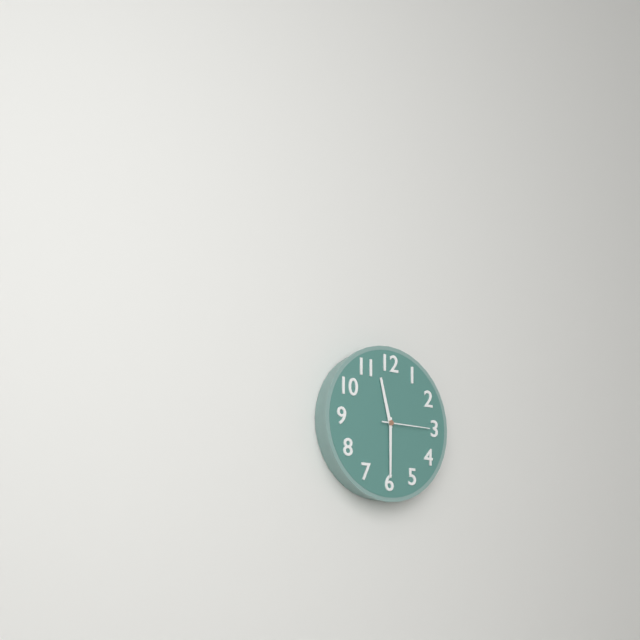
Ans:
h=11 m=30
